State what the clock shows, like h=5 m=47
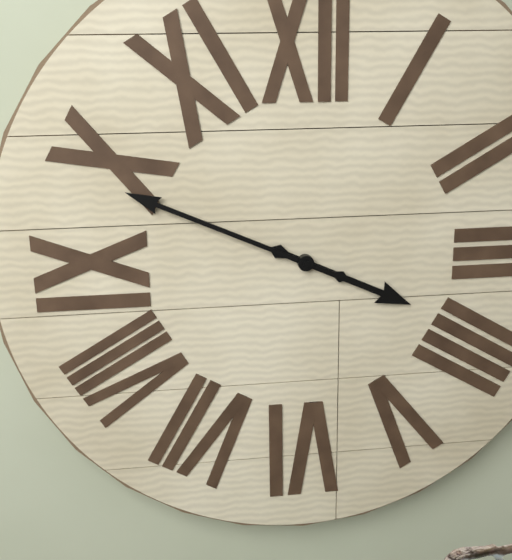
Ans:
h=3 m=49
